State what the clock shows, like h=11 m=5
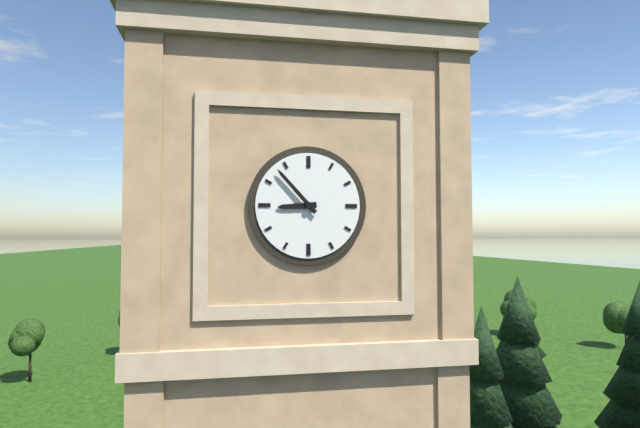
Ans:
h=8 m=53
